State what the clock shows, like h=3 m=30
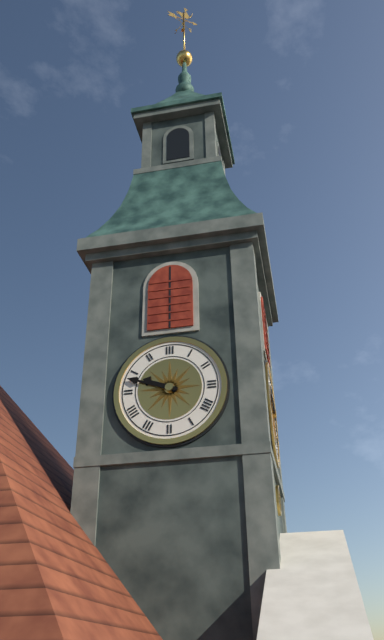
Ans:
h=9 m=48
